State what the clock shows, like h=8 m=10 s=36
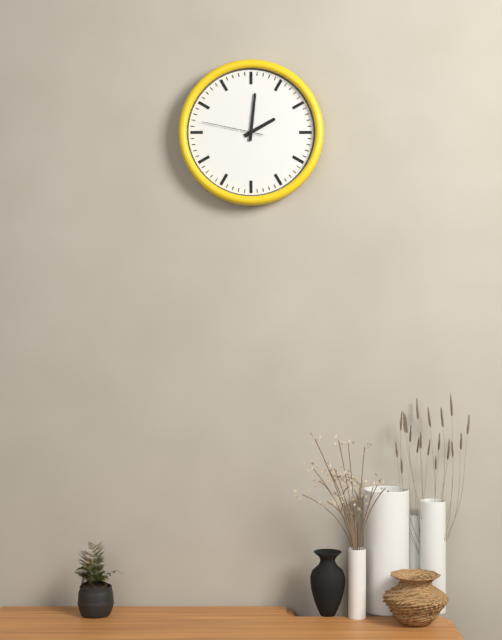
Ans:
h=2 m=1 s=47
